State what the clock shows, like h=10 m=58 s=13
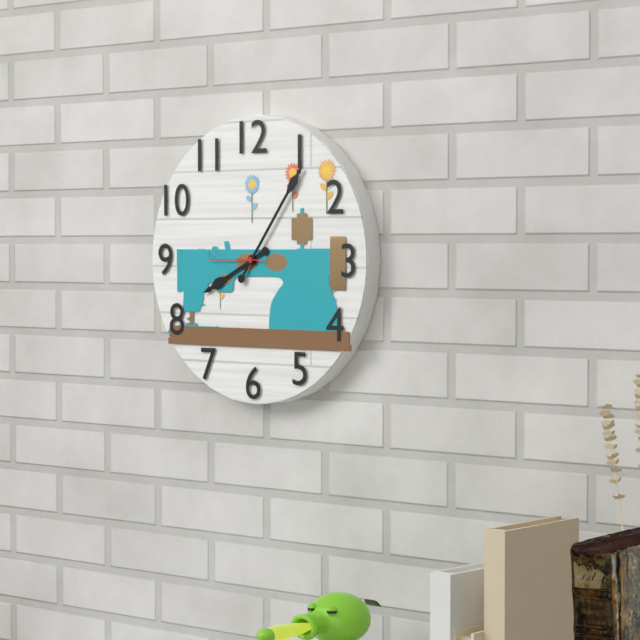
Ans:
h=8 m=6 s=45
